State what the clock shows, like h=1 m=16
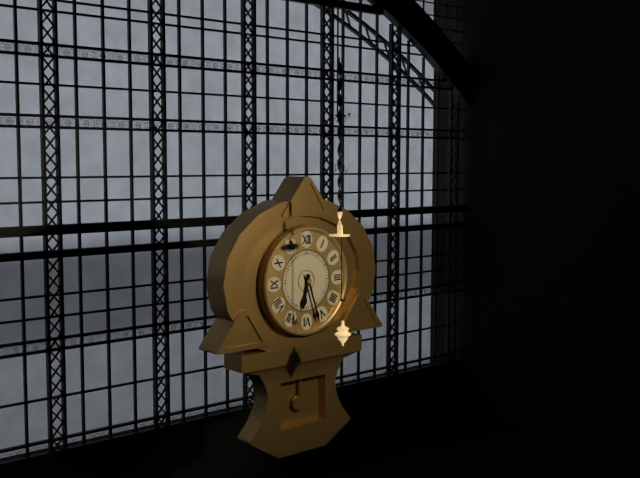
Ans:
h=6 m=27
